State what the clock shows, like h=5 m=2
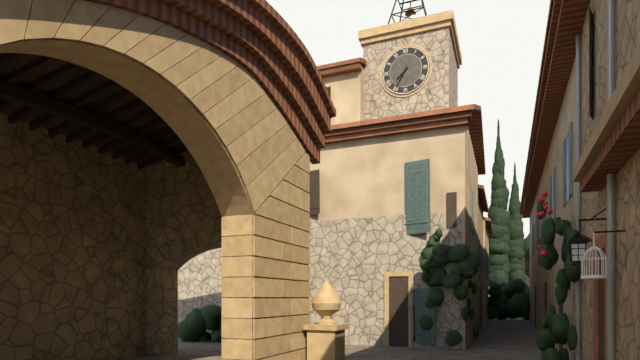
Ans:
h=7 m=35
